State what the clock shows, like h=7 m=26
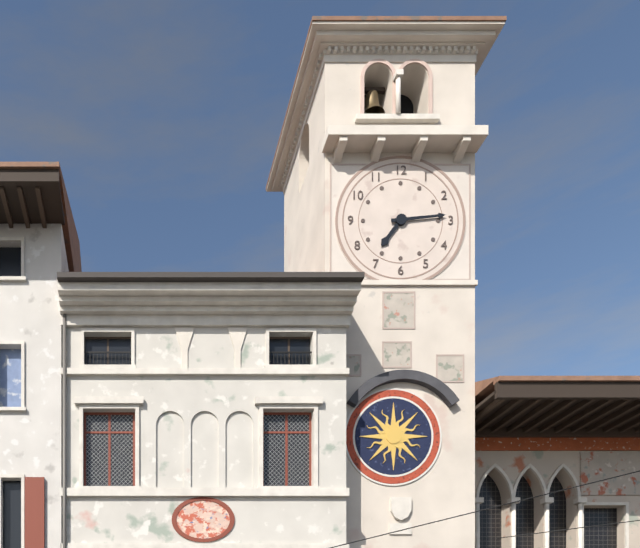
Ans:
h=7 m=14
